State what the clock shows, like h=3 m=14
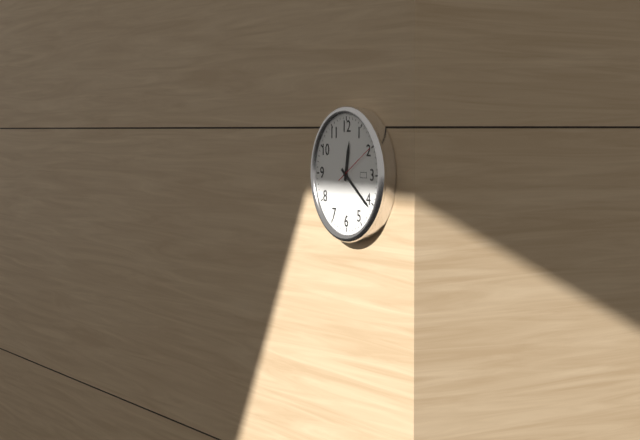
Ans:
h=12 m=21
